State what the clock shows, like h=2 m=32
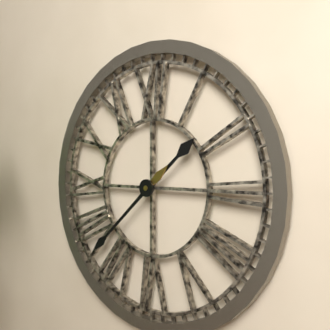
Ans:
h=1 m=38
